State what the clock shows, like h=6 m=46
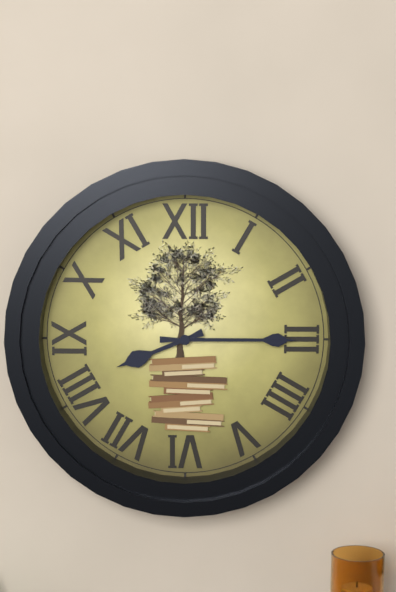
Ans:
h=8 m=15
